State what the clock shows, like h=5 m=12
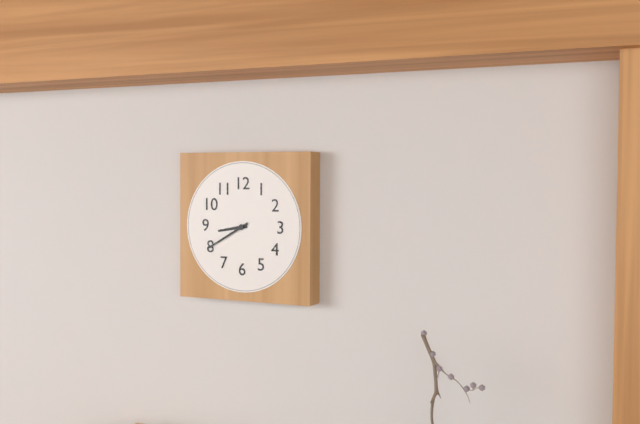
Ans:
h=8 m=40
